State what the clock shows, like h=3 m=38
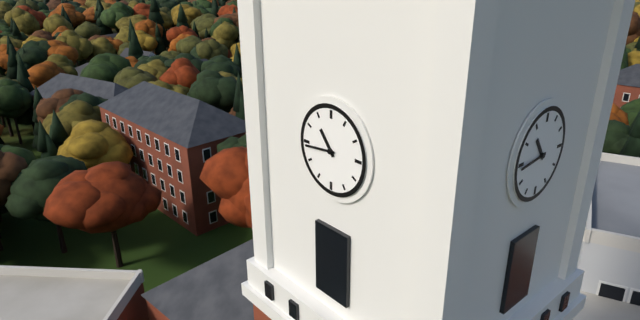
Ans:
h=10 m=44
